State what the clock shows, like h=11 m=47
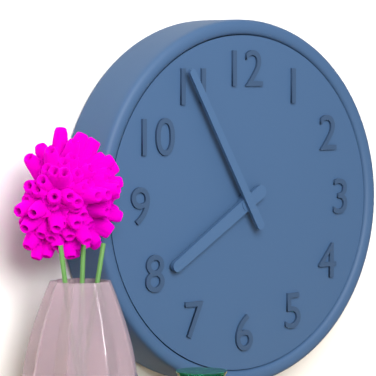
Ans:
h=7 m=55
